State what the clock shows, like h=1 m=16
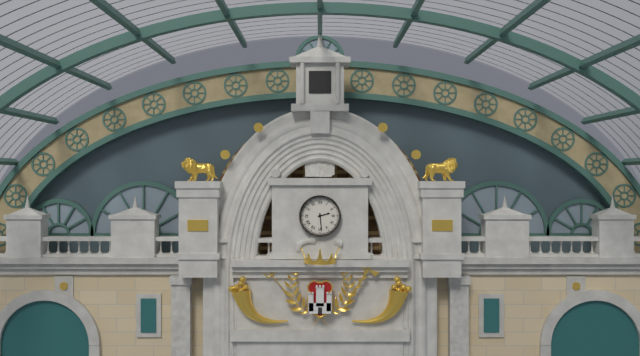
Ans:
h=2 m=29
